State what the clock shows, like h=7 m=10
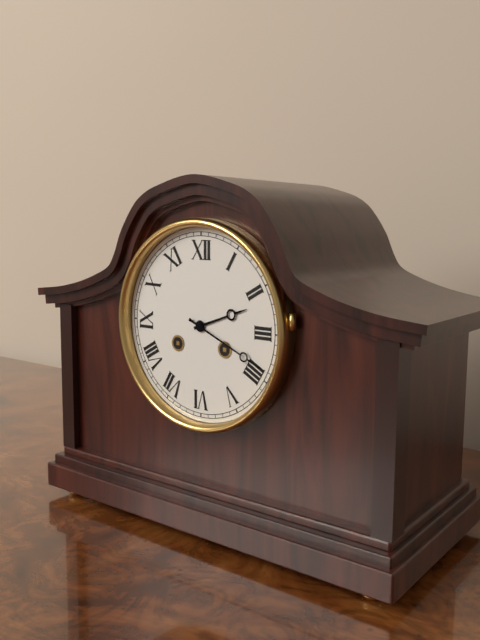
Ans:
h=2 m=19
